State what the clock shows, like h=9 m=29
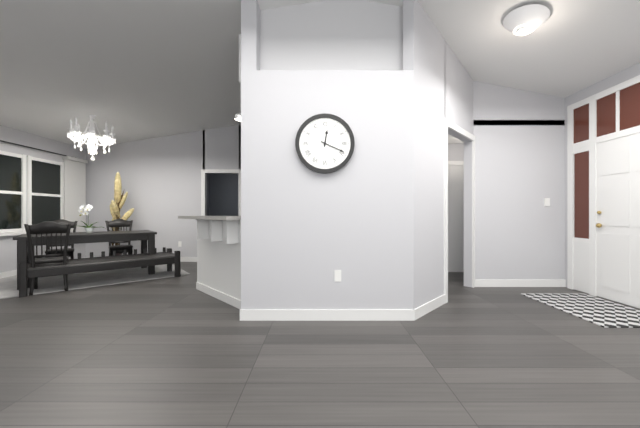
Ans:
h=12 m=19
